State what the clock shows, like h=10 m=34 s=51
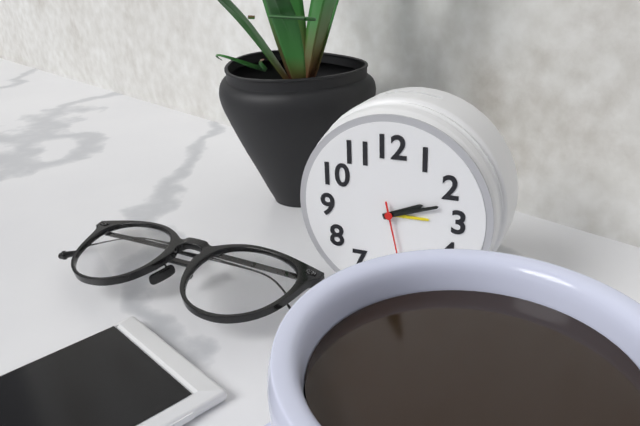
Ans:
h=2 m=12 s=28
